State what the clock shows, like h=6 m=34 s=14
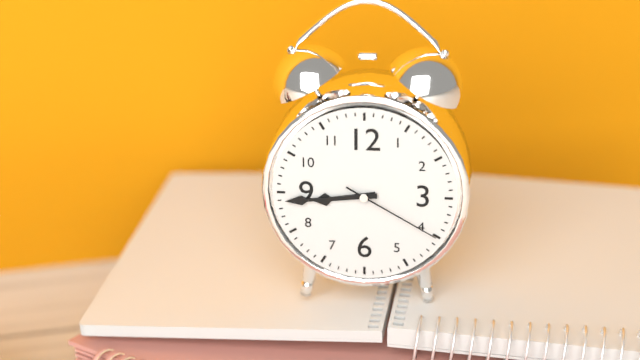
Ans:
h=8 m=44 s=20
